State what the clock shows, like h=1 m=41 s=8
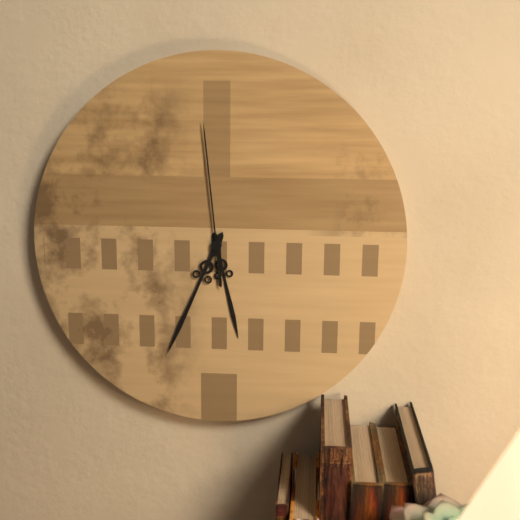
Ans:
h=5 m=34 s=59
